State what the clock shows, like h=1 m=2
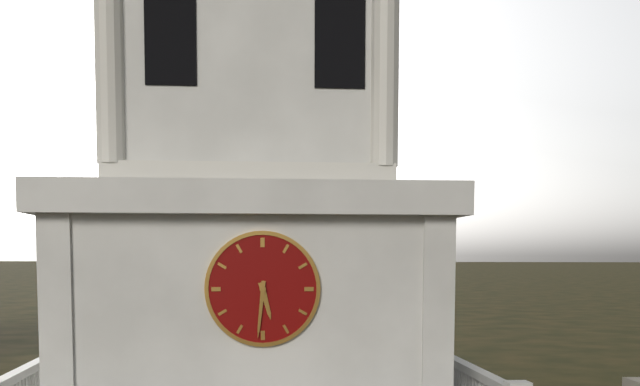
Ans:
h=5 m=31
